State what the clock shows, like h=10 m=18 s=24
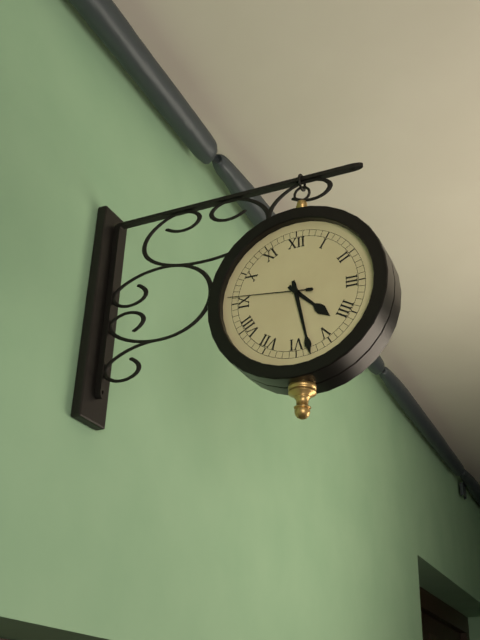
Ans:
h=4 m=28 s=46
